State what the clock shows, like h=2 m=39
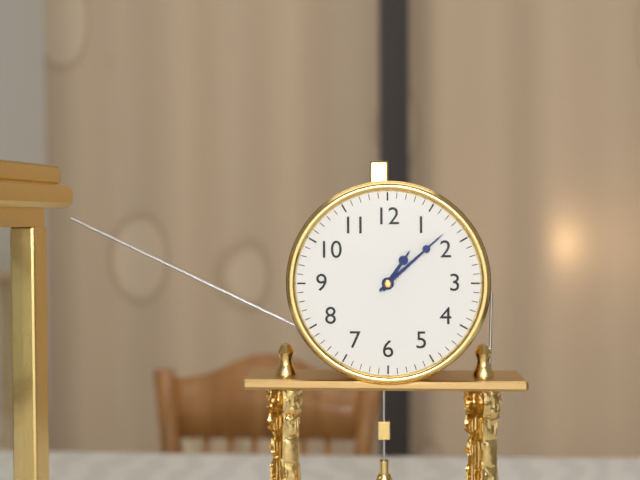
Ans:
h=1 m=8
